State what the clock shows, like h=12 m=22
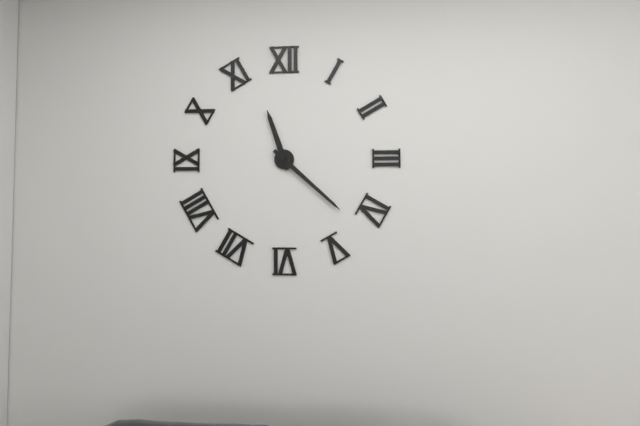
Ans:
h=11 m=22
